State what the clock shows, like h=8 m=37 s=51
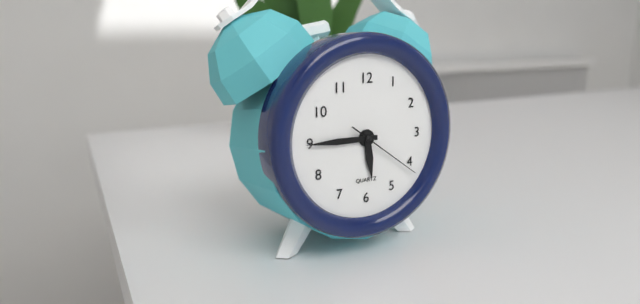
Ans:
h=5 m=45 s=21
